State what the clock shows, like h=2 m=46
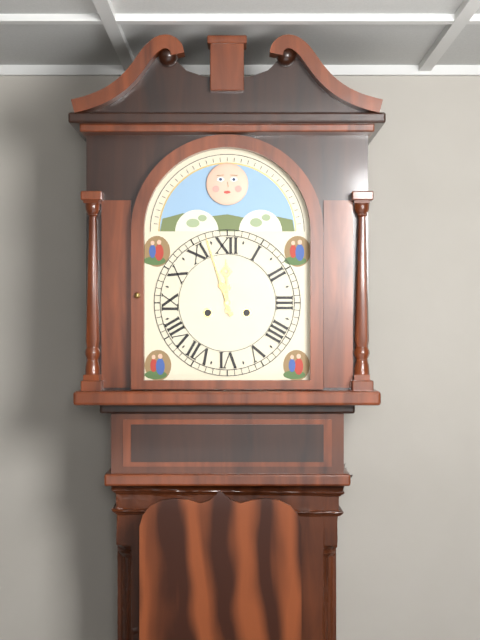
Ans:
h=11 m=57
